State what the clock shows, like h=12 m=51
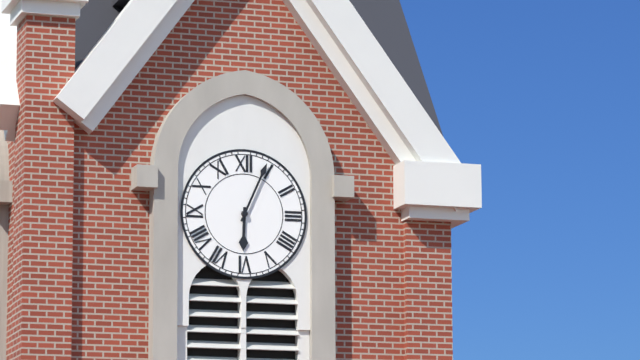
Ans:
h=6 m=4
